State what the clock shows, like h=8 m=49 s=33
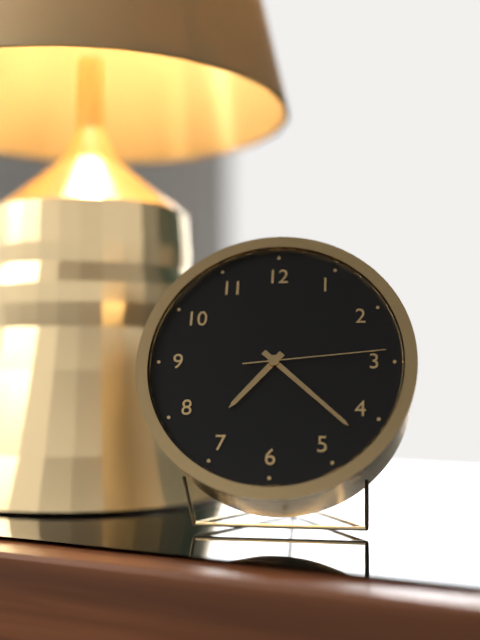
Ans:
h=7 m=22 s=14
